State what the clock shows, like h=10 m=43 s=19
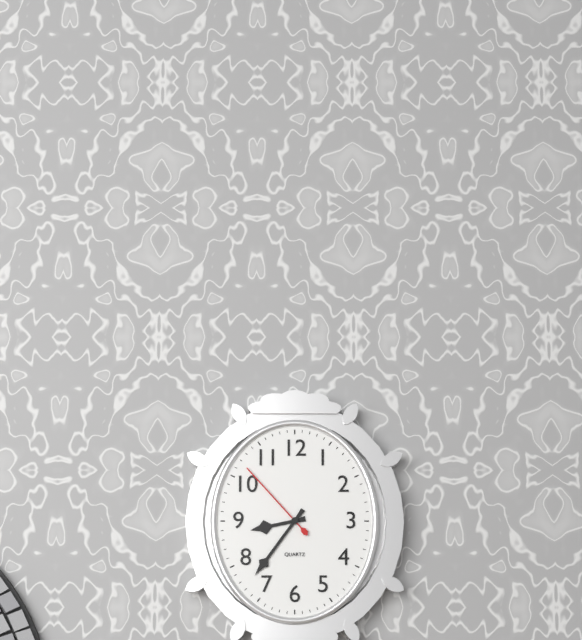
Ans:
h=8 m=36 s=53
